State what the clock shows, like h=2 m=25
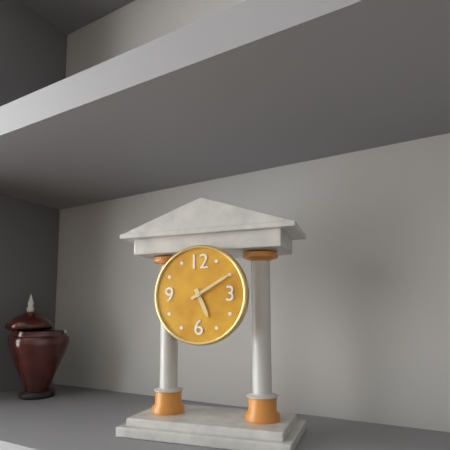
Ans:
h=5 m=10
